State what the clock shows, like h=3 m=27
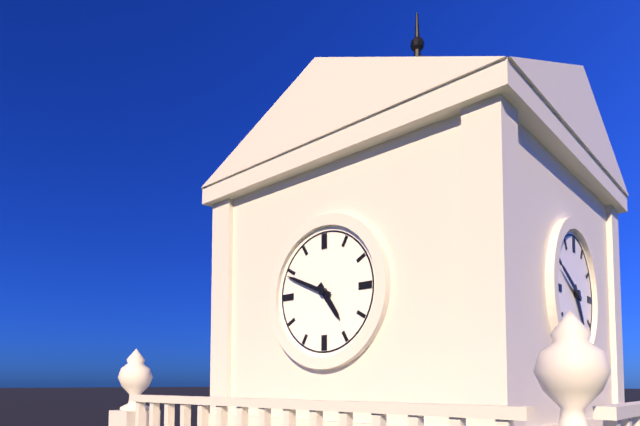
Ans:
h=4 m=49
